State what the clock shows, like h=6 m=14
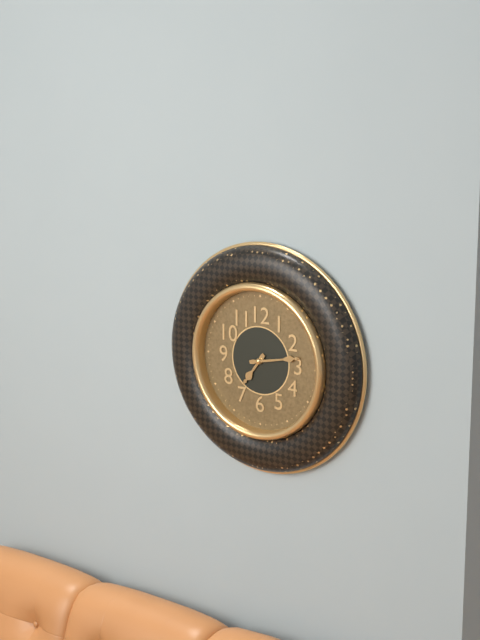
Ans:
h=7 m=13
